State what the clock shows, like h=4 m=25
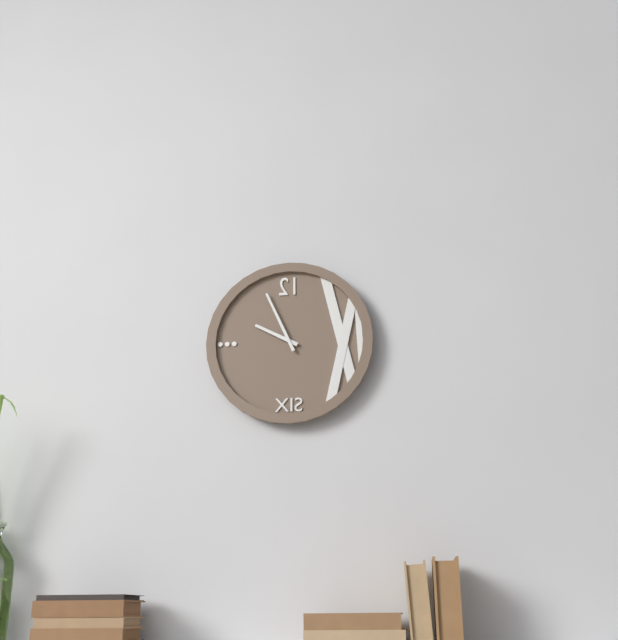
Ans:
h=9 m=56
